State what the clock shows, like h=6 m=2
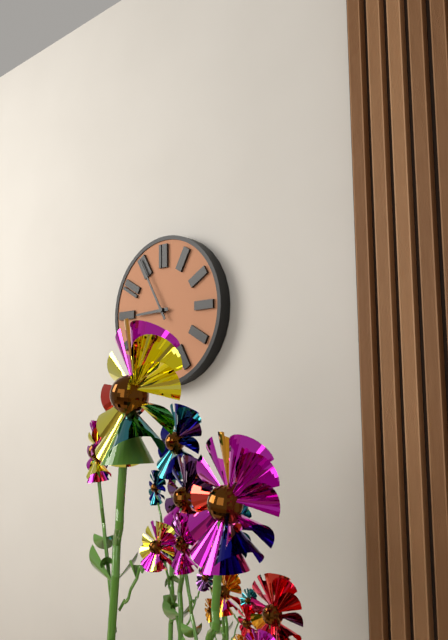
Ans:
h=8 m=55
